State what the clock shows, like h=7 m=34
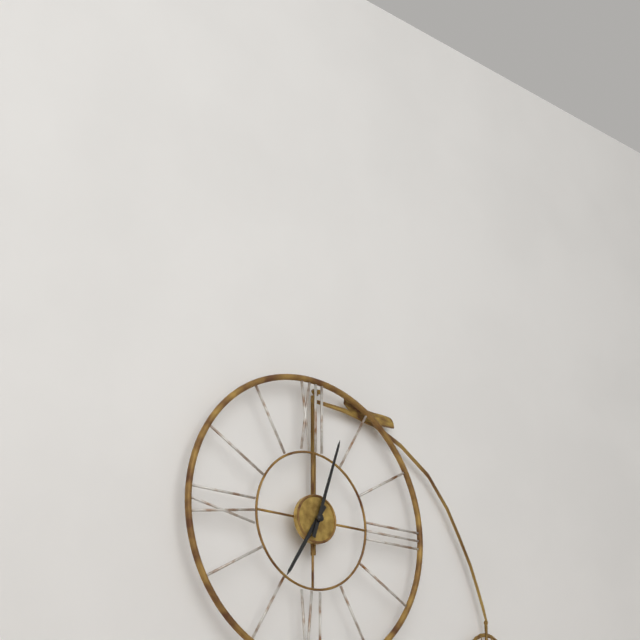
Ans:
h=7 m=3
